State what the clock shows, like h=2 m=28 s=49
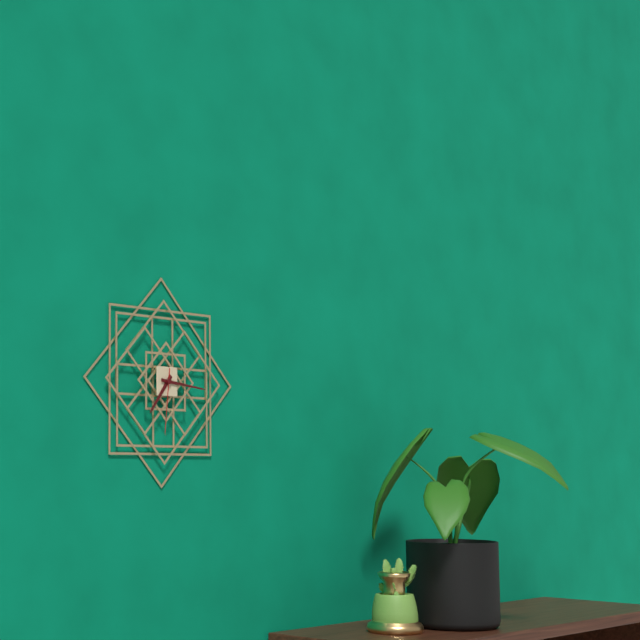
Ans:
h=7 m=16 s=31
